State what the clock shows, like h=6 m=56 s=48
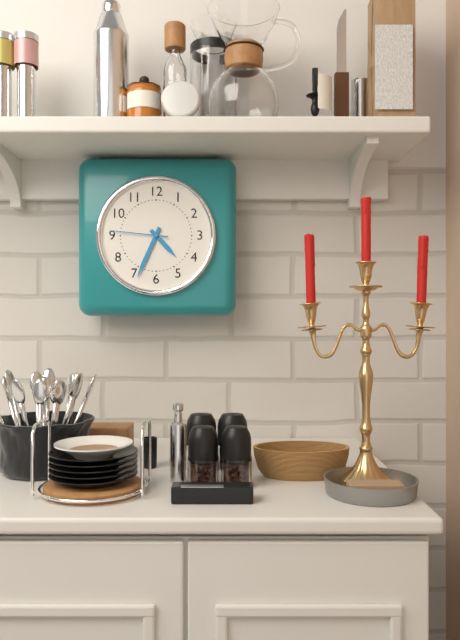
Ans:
h=4 m=34 s=46
